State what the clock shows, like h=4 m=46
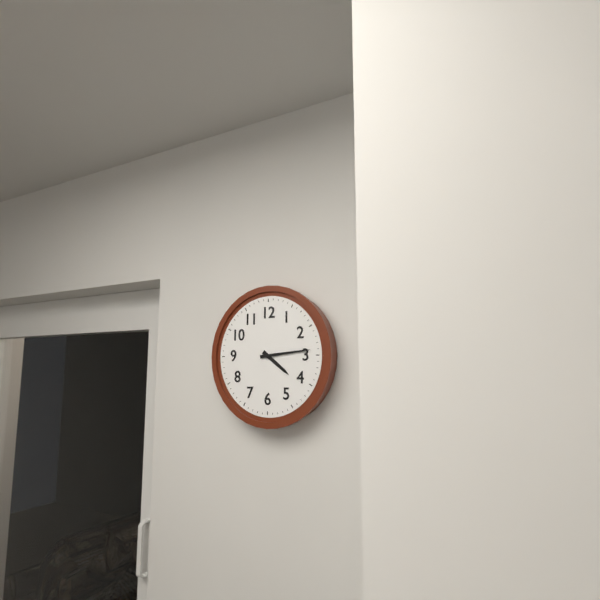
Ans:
h=4 m=14
